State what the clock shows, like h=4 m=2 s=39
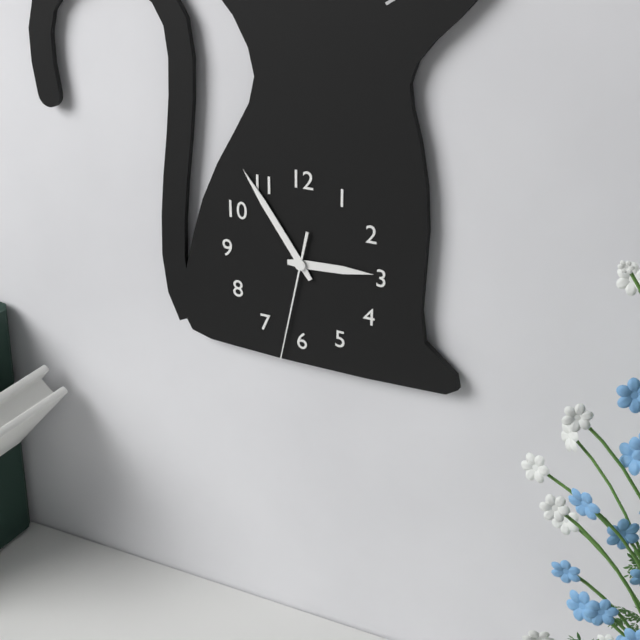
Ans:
h=2 m=54 s=32
